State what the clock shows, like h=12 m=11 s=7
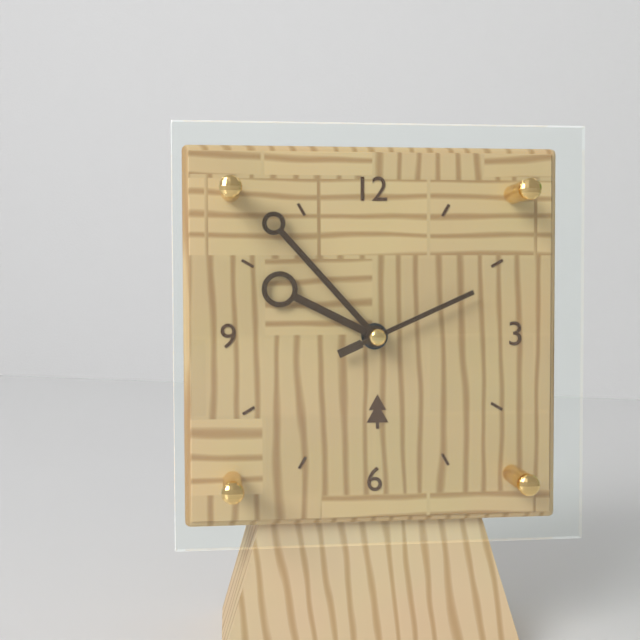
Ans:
h=9 m=53 s=11
